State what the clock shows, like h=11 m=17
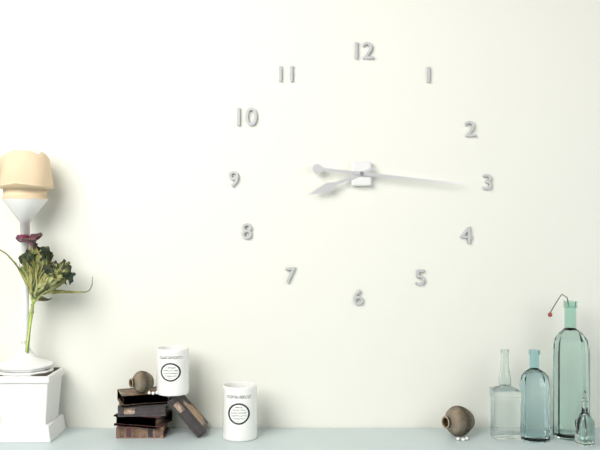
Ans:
h=8 m=16
